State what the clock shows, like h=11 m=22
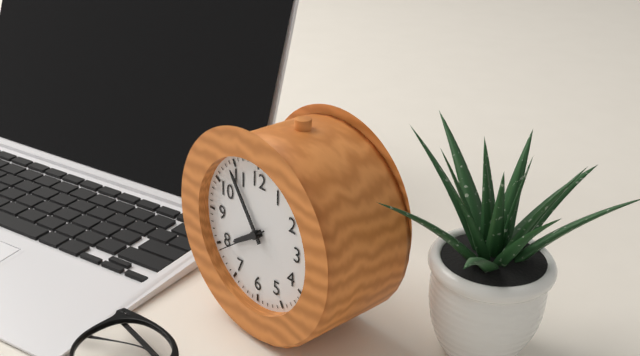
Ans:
h=7 m=54
